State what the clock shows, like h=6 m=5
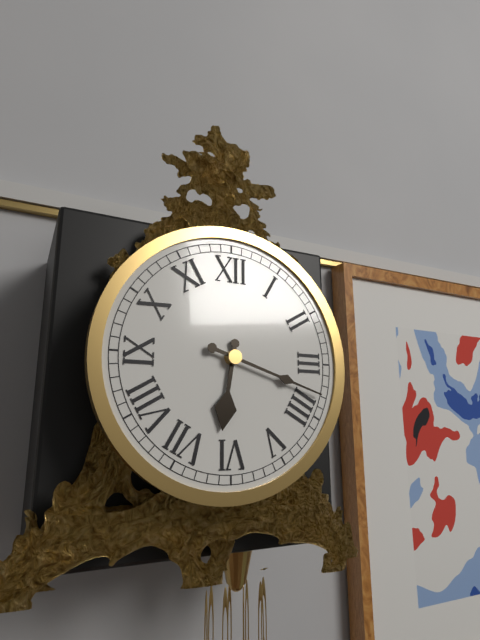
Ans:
h=6 m=18
